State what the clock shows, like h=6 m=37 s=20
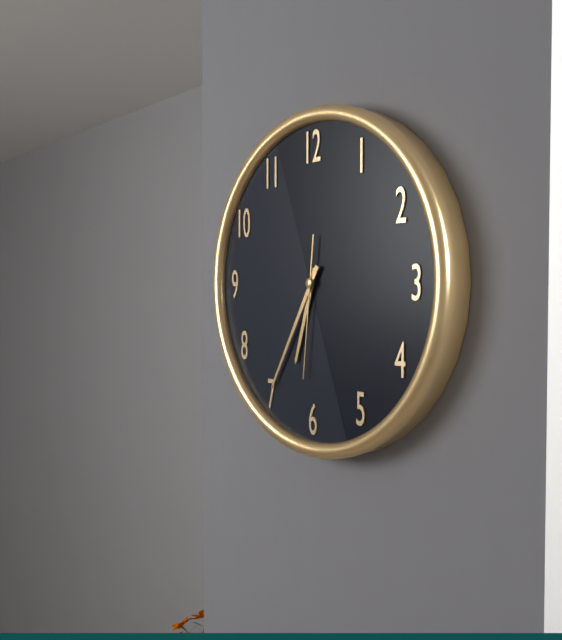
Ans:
h=6 m=35 s=31
